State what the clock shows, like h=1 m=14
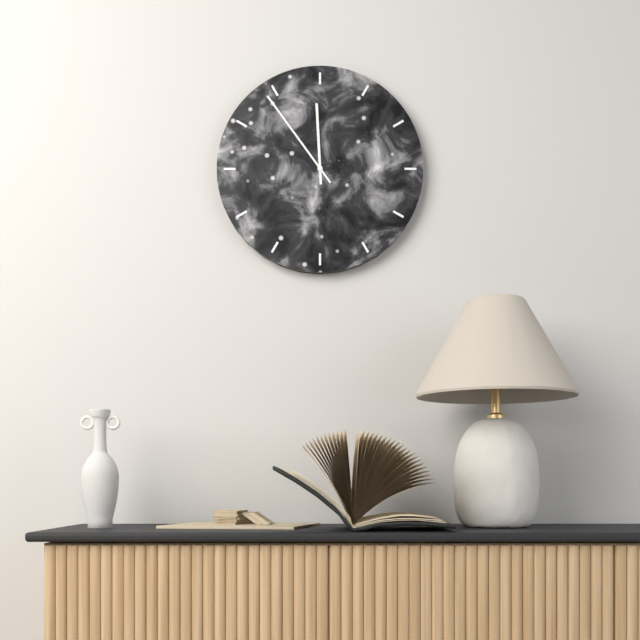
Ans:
h=11 m=54
